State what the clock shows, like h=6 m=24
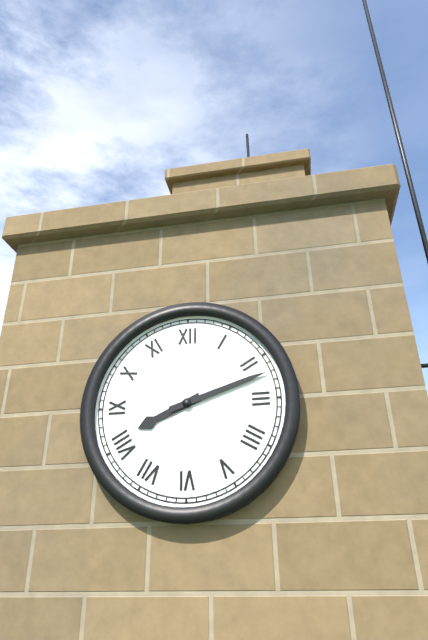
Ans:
h=8 m=12
